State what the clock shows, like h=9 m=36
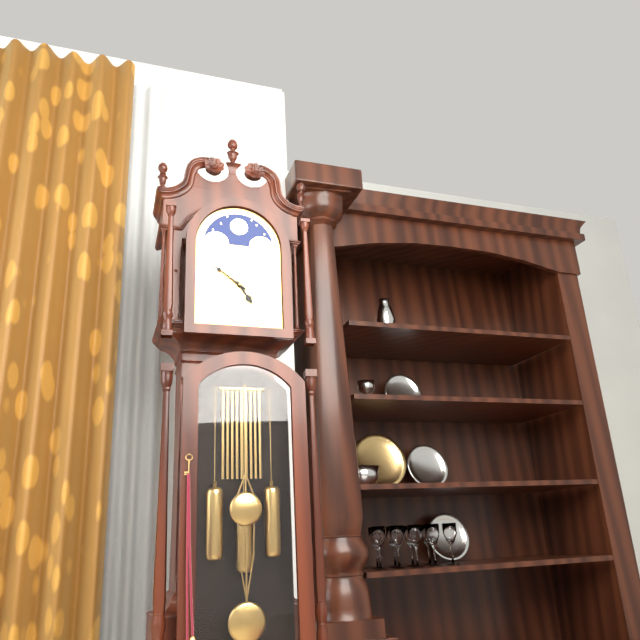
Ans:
h=4 m=51
